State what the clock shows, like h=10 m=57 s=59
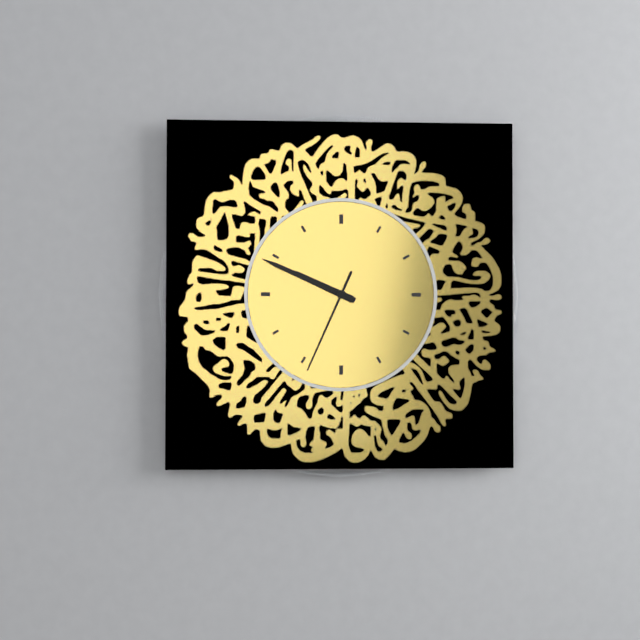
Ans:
h=9 m=49 s=34
